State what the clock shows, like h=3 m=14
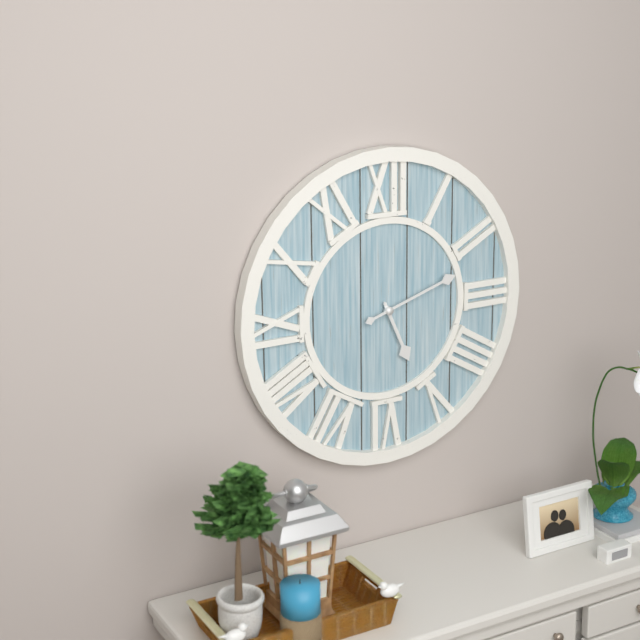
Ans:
h=5 m=12
